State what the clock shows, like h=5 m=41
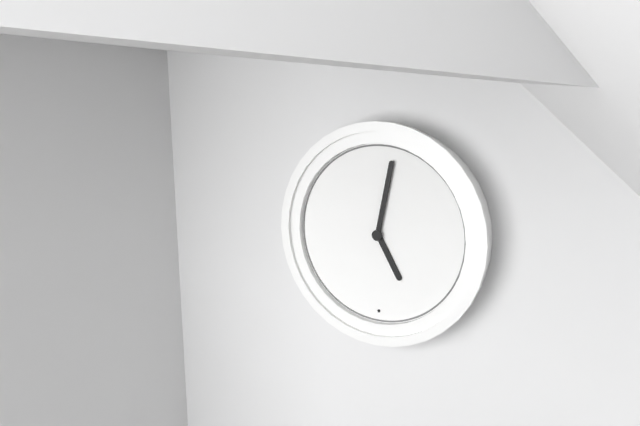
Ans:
h=5 m=2
